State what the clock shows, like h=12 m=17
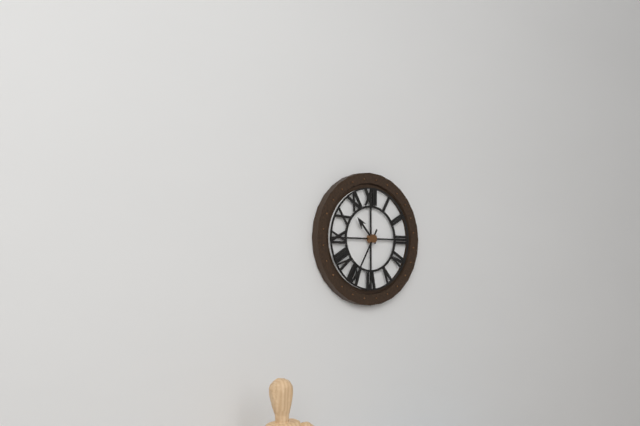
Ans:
h=10 m=35
